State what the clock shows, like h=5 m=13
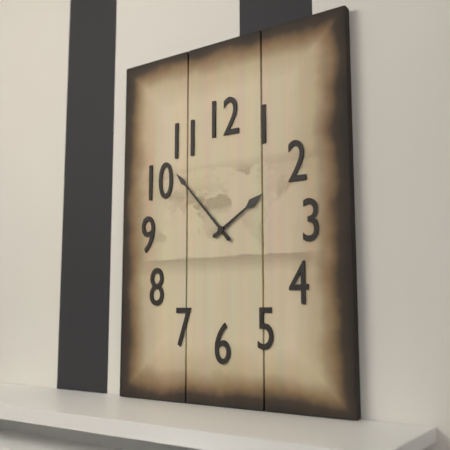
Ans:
h=1 m=53
